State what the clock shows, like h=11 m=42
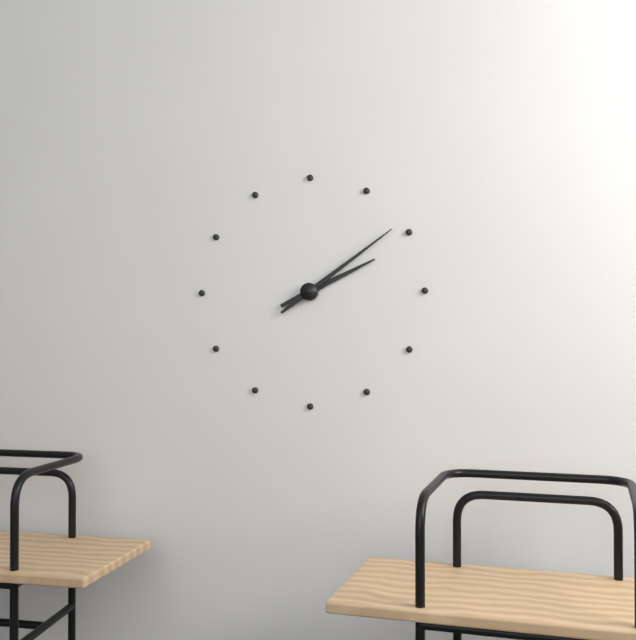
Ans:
h=2 m=9
